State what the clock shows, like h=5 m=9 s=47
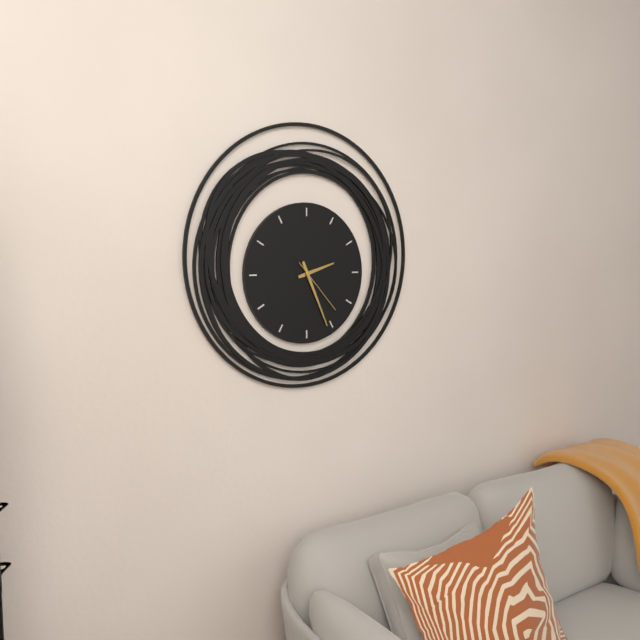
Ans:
h=2 m=26 s=23
